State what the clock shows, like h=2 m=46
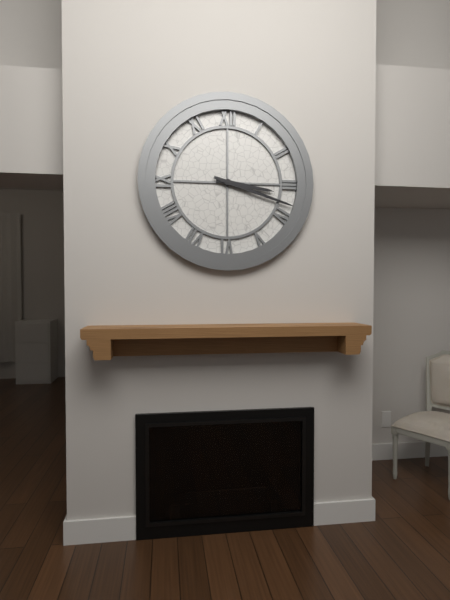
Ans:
h=3 m=18
